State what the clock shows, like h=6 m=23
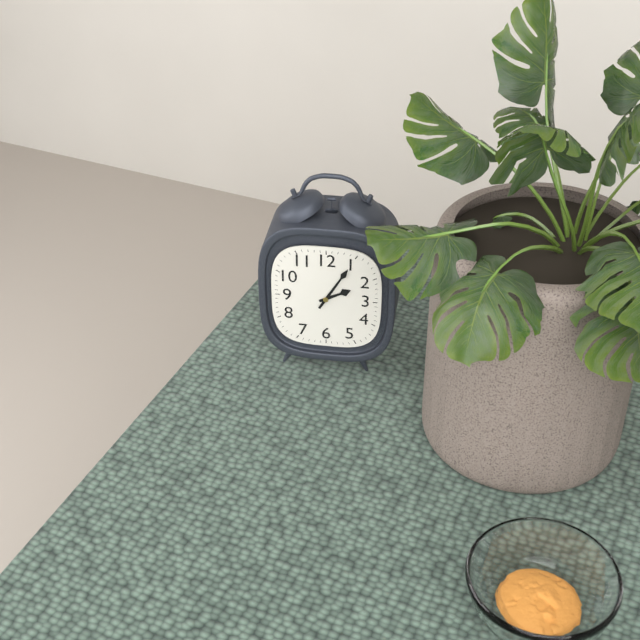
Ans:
h=2 m=5
